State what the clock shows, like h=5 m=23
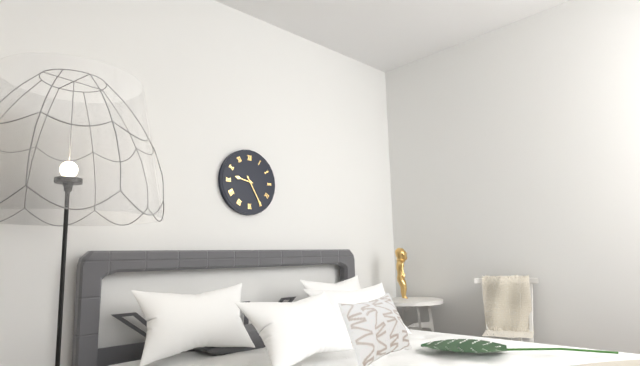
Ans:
h=9 m=25
